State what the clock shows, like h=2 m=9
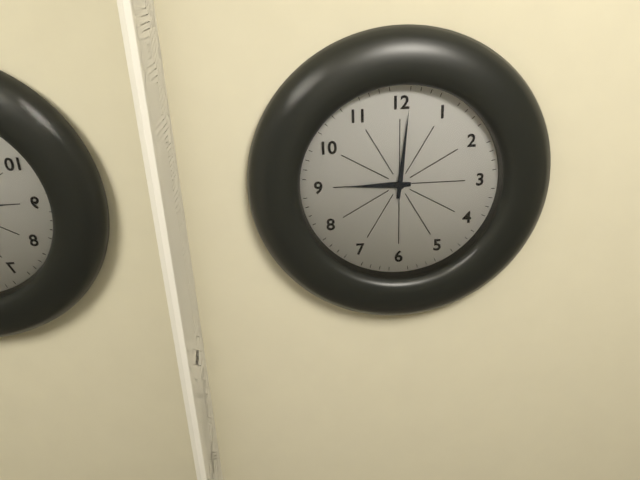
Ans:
h=9 m=1
